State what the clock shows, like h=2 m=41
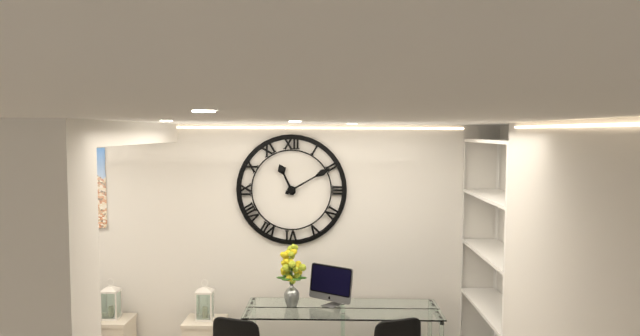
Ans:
h=11 m=10
